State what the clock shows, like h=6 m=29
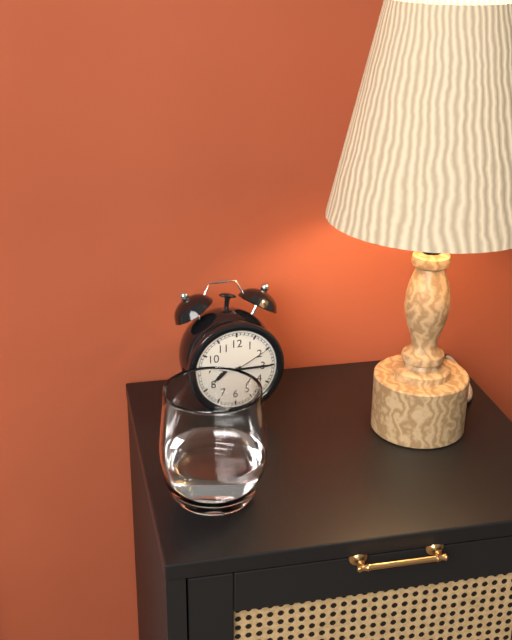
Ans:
h=8 m=15
